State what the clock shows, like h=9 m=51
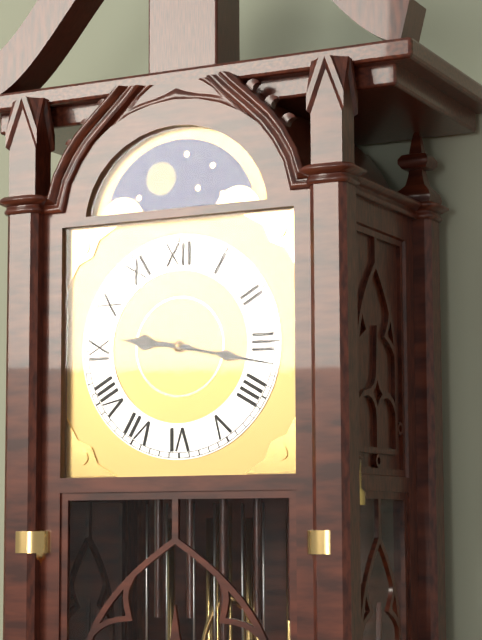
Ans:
h=9 m=17
